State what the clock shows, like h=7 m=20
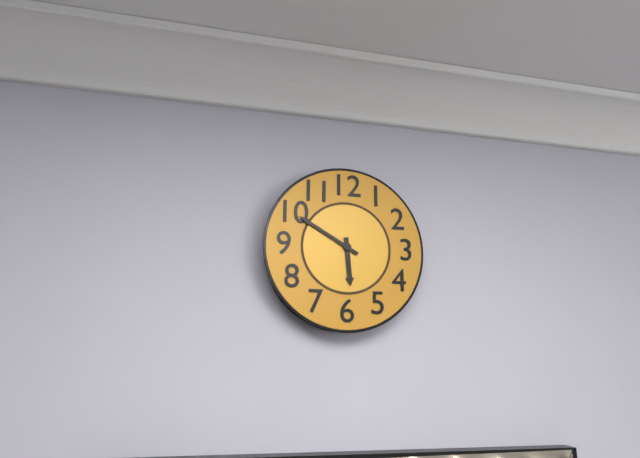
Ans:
h=5 m=50
